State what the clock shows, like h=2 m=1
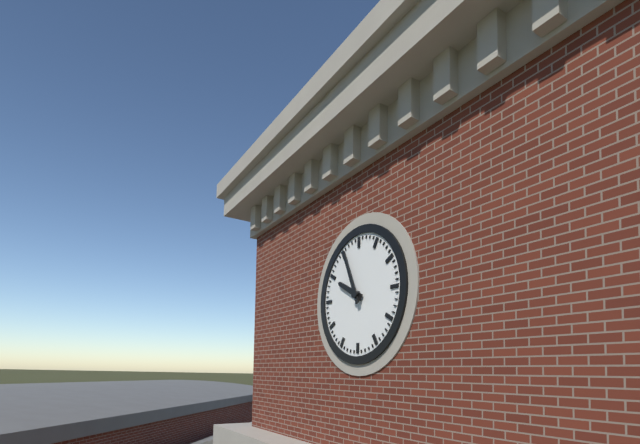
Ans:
h=9 m=56
